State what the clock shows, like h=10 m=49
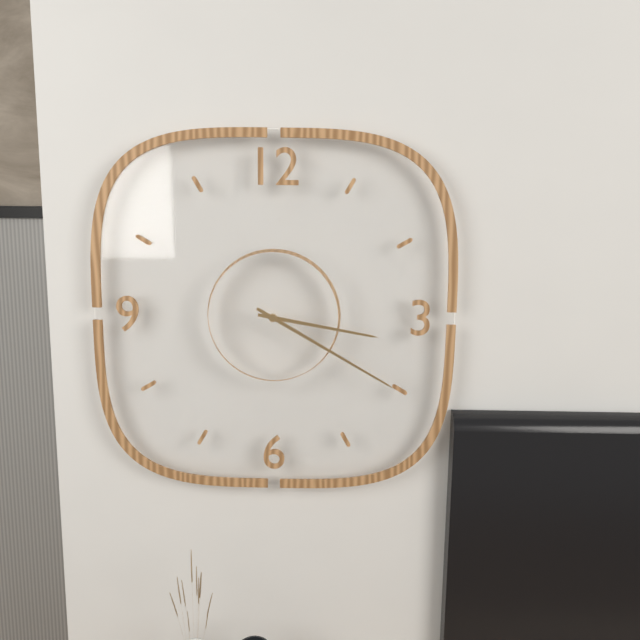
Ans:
h=3 m=20
